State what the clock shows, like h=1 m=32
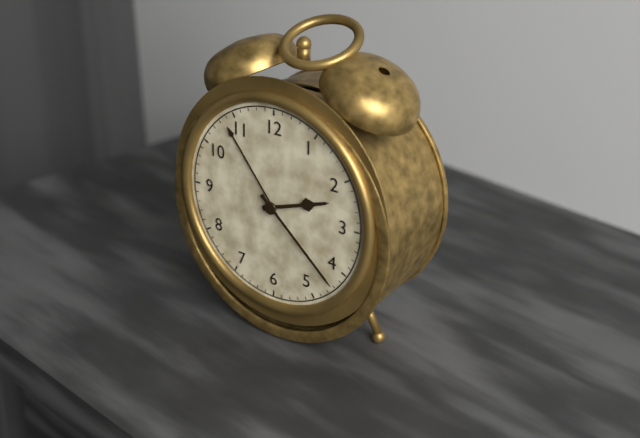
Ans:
h=2 m=22
